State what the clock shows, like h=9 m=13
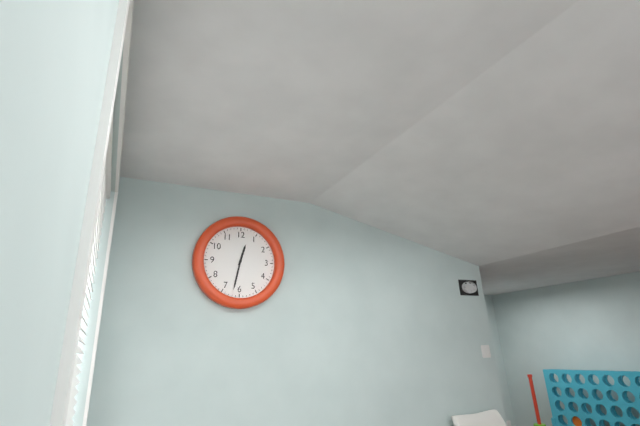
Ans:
h=12 m=32
